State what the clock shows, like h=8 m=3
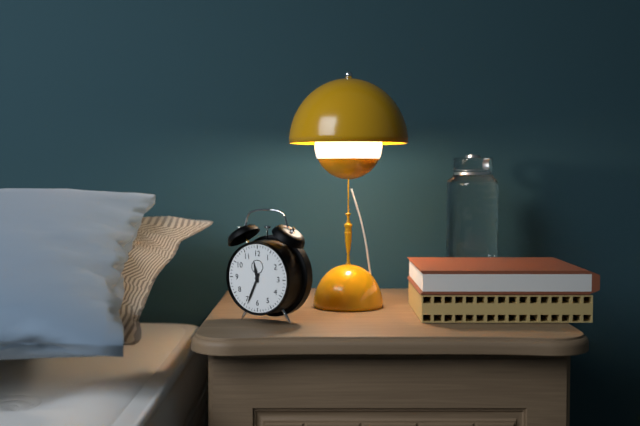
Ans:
h=11 m=34
